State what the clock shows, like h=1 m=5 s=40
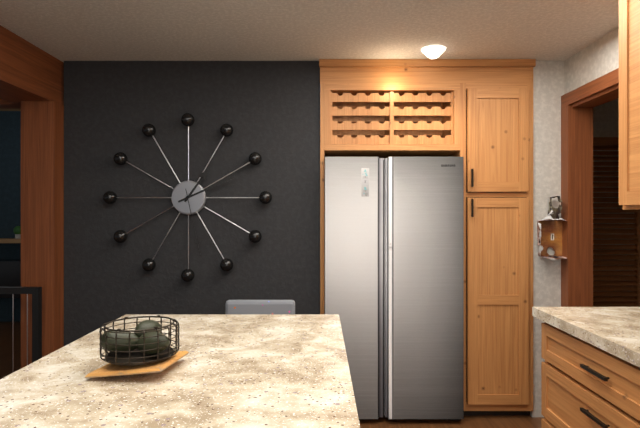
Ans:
h=1 m=11 s=28
